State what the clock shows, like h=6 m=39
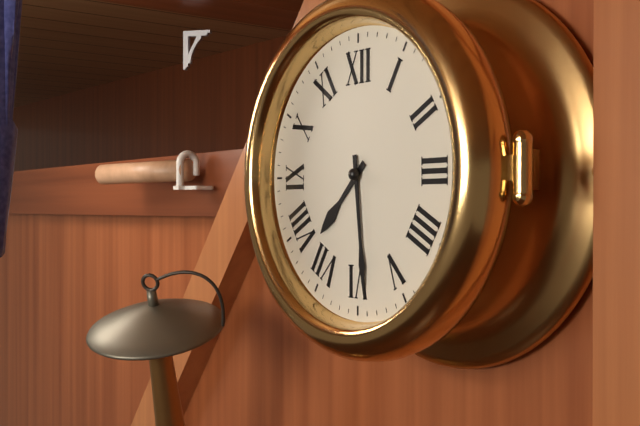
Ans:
h=7 m=29
